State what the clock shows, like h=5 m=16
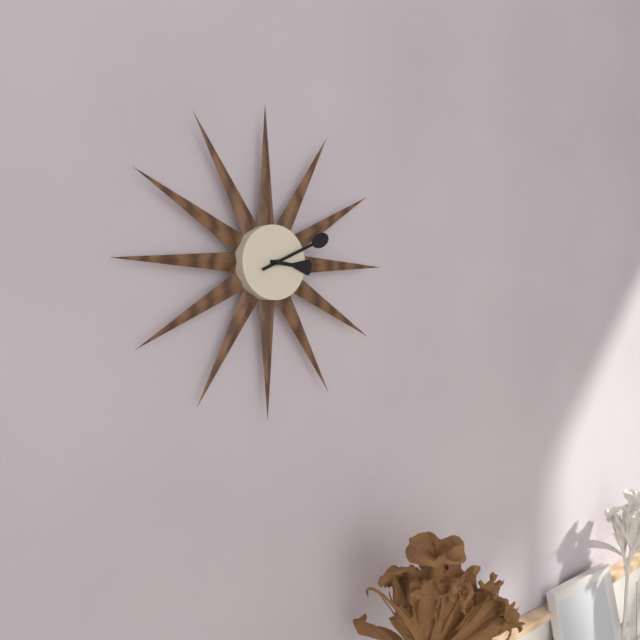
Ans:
h=3 m=11
